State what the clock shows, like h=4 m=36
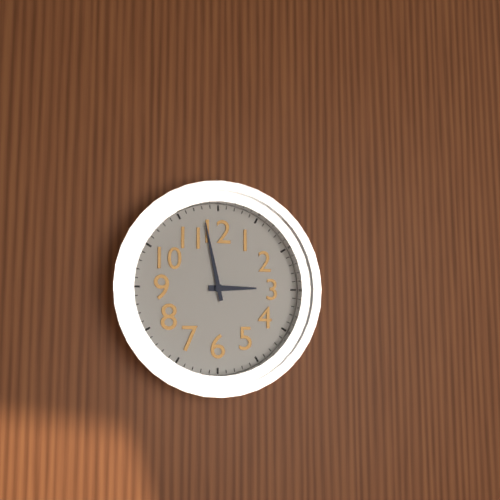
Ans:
h=2 m=58
